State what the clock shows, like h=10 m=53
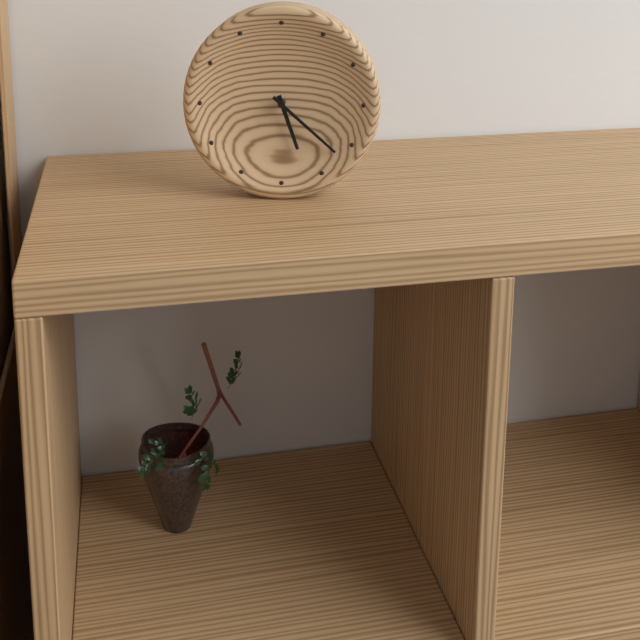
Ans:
h=5 m=22
